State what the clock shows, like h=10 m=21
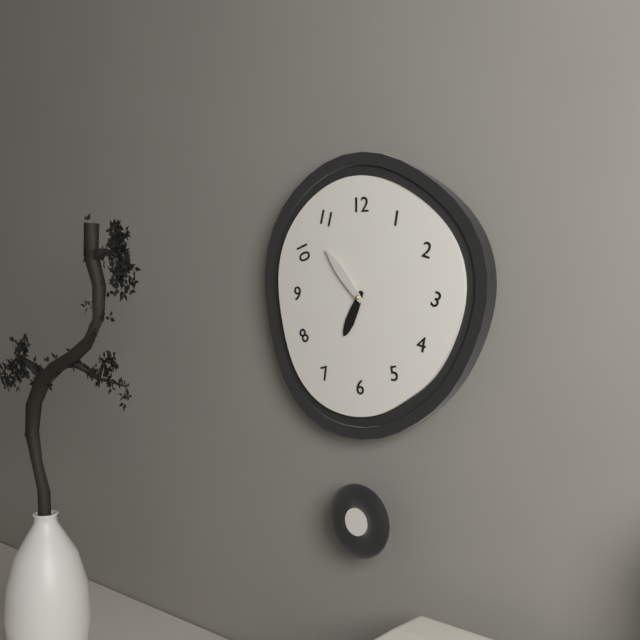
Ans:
h=6 m=53
